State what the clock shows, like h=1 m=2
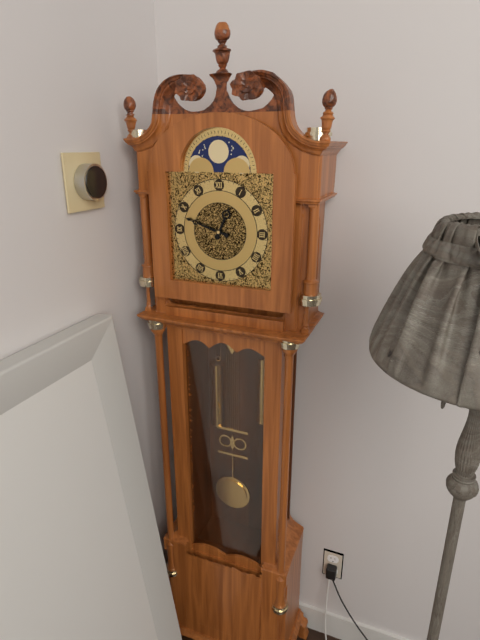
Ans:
h=12 m=48
